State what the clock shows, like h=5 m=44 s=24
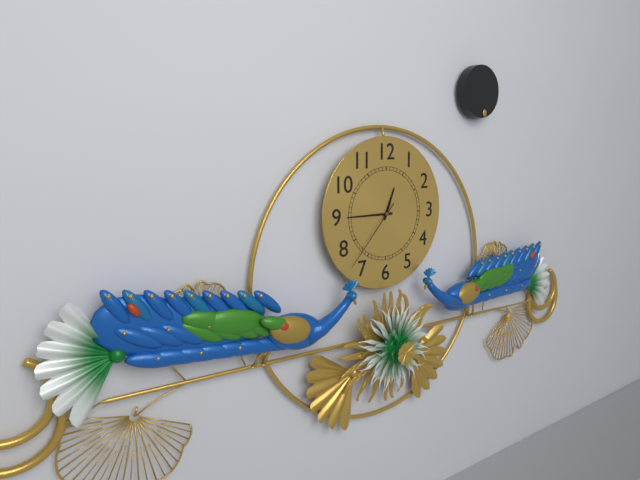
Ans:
h=12 m=45 s=37
